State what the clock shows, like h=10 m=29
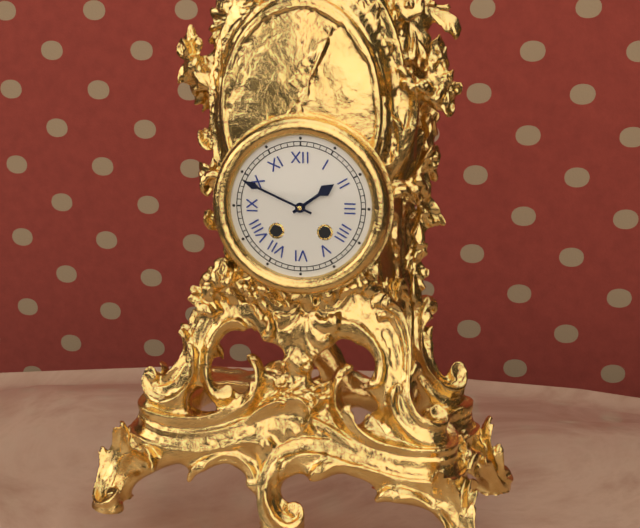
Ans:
h=1 m=49
